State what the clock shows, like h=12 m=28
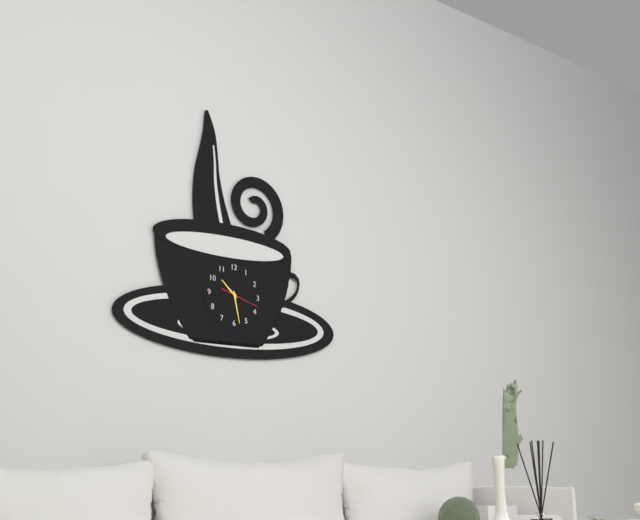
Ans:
h=10 m=28
